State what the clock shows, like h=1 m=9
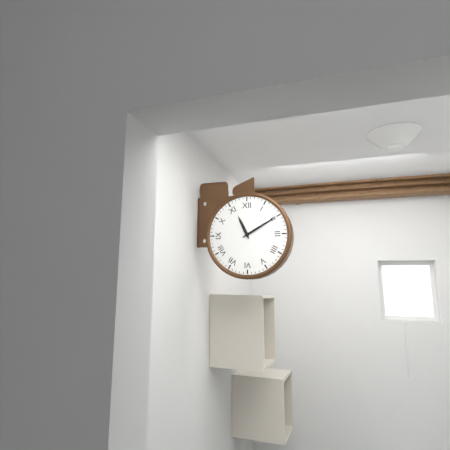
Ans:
h=11 m=10
